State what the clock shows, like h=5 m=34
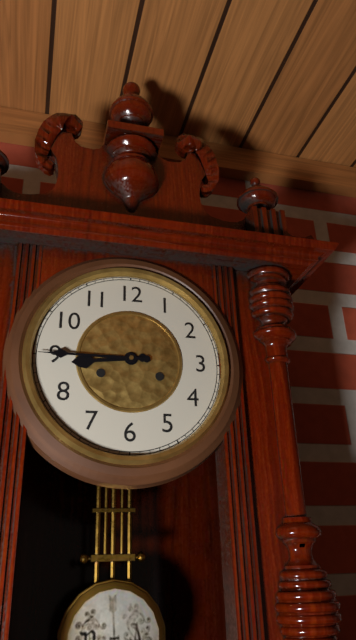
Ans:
h=8 m=45
